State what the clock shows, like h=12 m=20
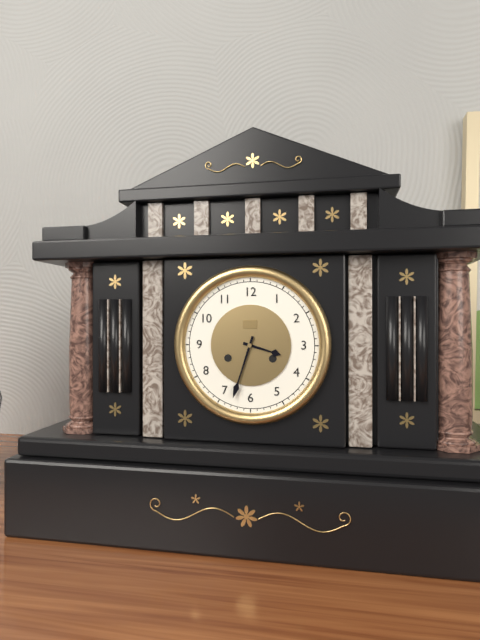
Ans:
h=3 m=33
